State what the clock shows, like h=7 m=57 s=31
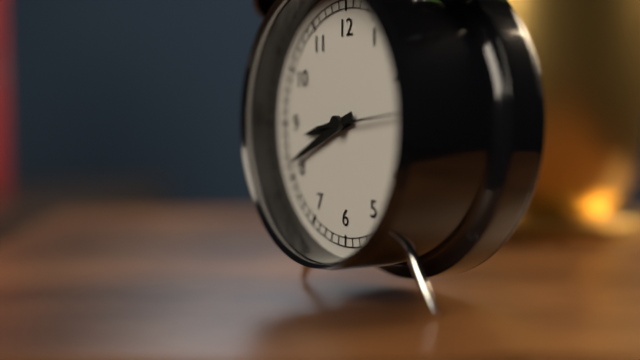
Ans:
h=8 m=41 s=14
